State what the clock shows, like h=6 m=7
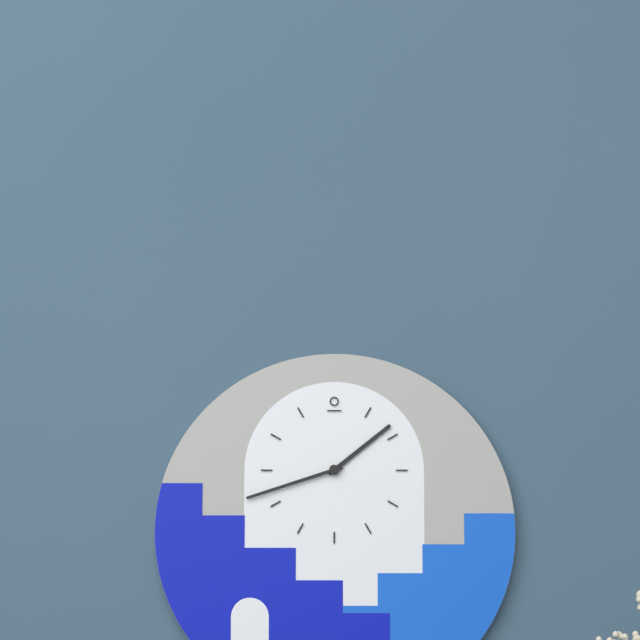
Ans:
h=1 m=42
